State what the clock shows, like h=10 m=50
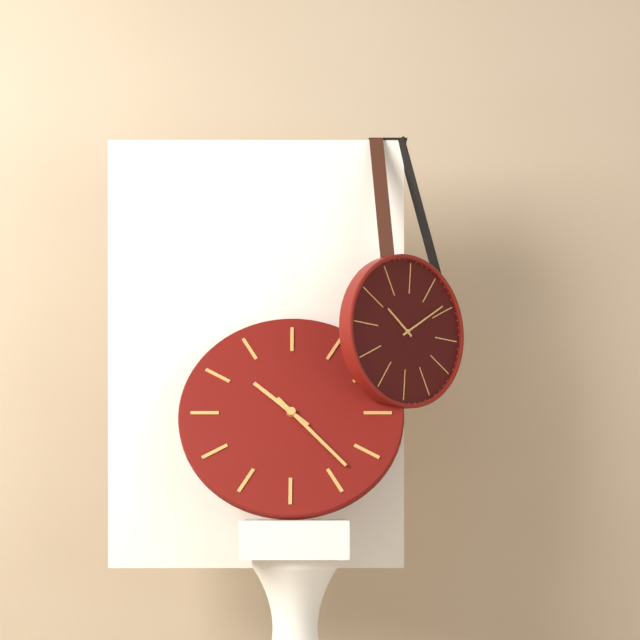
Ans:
h=10 m=23
